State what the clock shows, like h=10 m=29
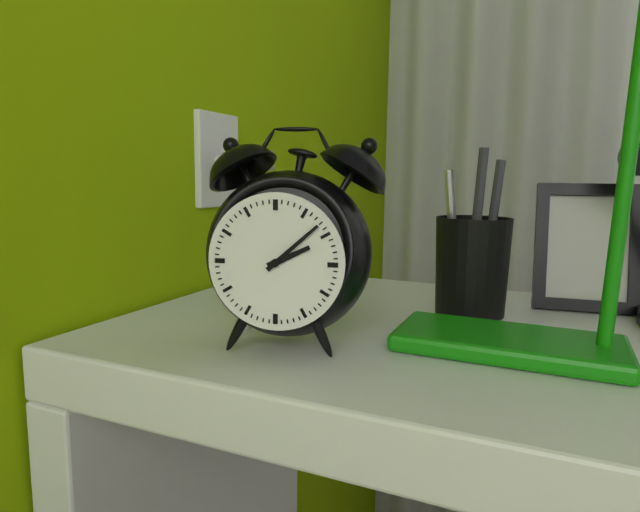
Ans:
h=2 m=8
